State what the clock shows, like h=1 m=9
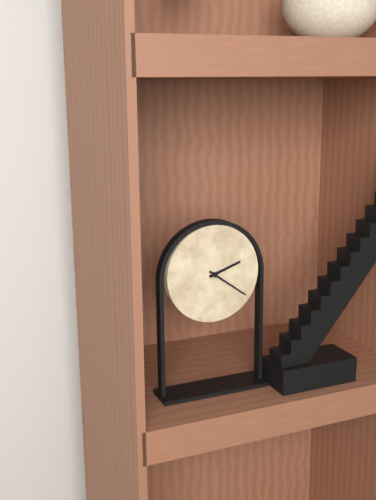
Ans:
h=2 m=21
